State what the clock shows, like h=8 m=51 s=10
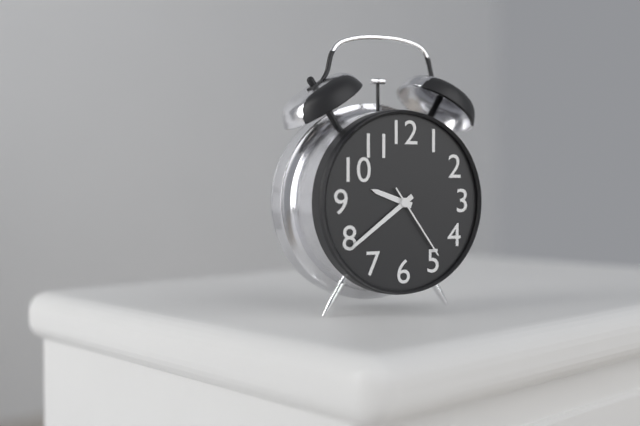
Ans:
h=9 m=39 s=24
